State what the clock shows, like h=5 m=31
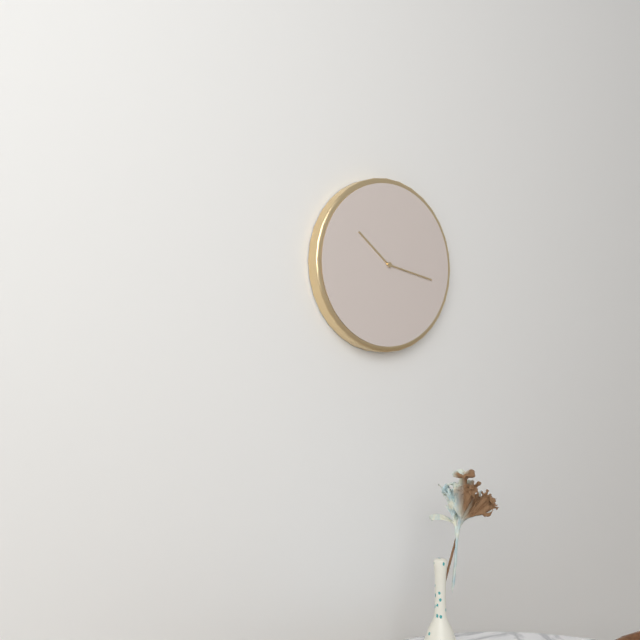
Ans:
h=10 m=17
